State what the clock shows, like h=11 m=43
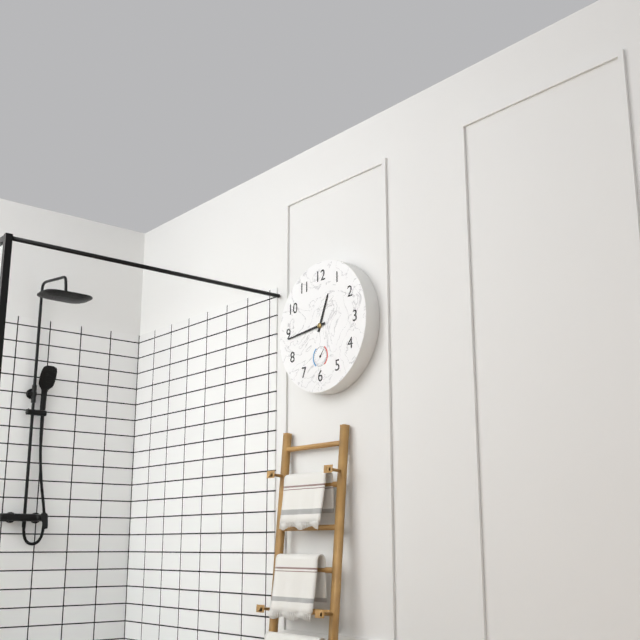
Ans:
h=12 m=44
